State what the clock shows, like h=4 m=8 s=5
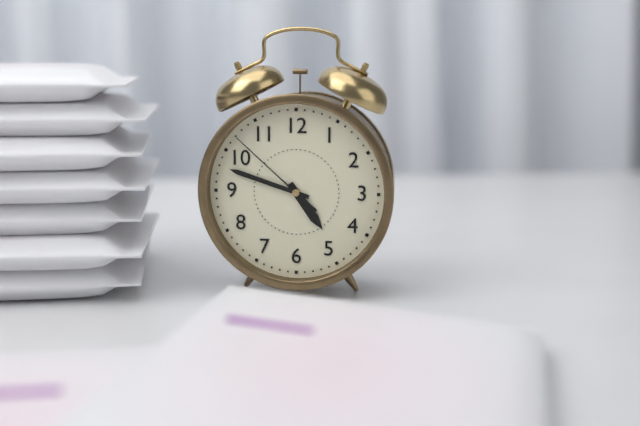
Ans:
h=4 m=48 s=52
